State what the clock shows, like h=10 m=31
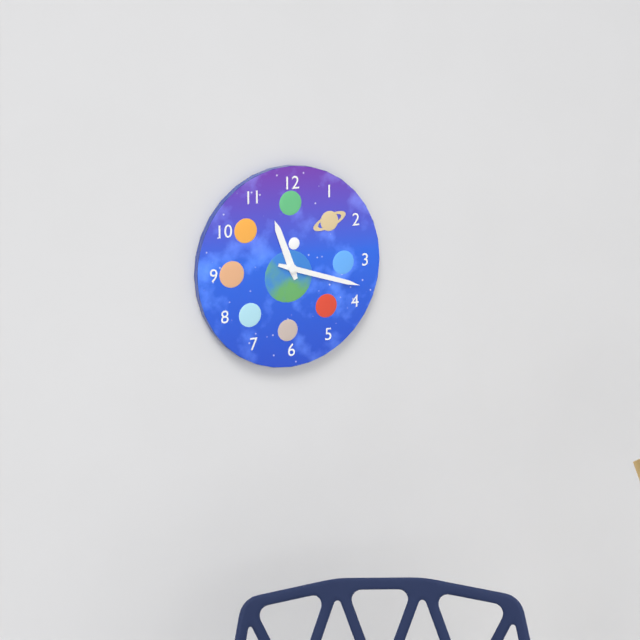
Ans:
h=11 m=18
